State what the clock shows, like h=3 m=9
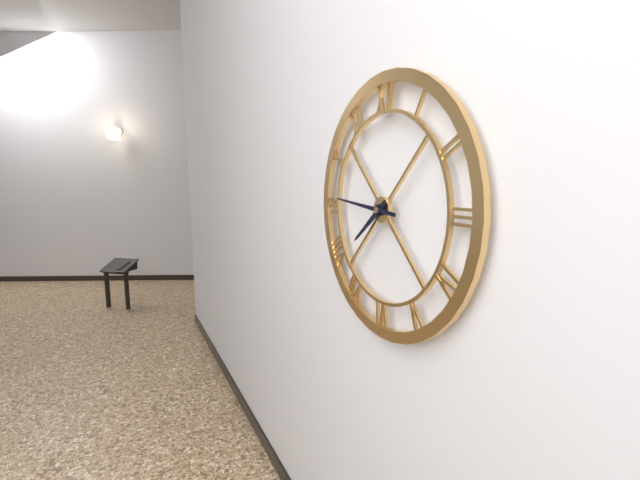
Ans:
h=7 m=46
